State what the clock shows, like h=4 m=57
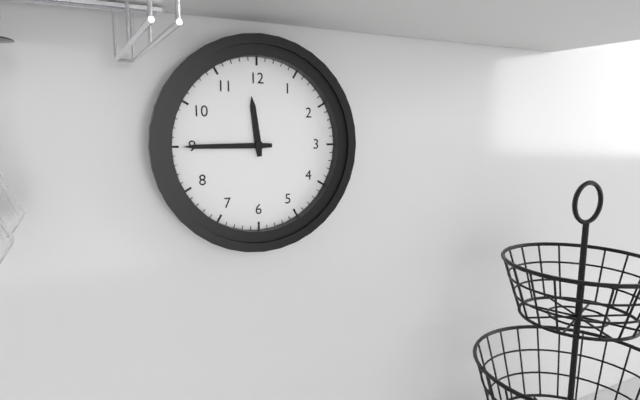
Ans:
h=11 m=45
